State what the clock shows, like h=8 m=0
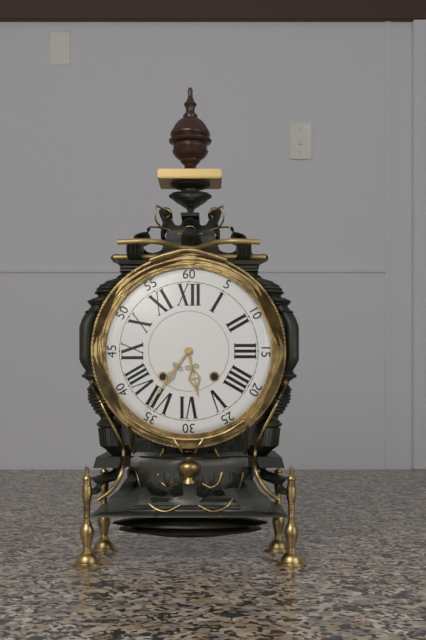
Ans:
h=5 m=36
